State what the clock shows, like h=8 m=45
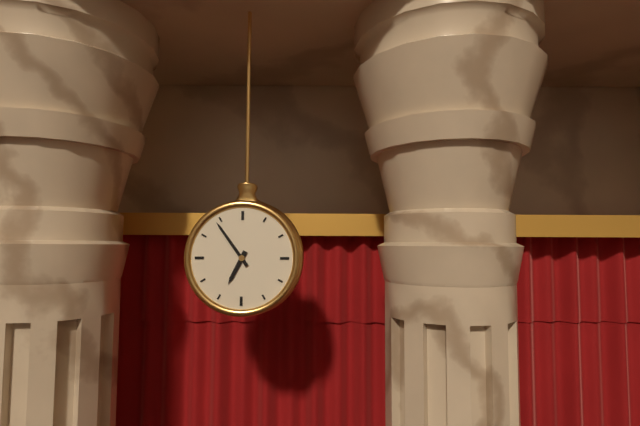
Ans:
h=6 m=54
